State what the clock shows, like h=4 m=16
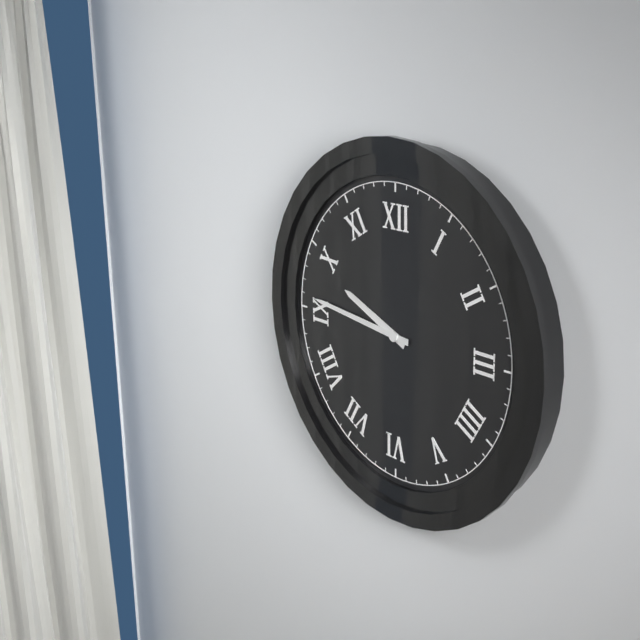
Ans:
h=9 m=46
